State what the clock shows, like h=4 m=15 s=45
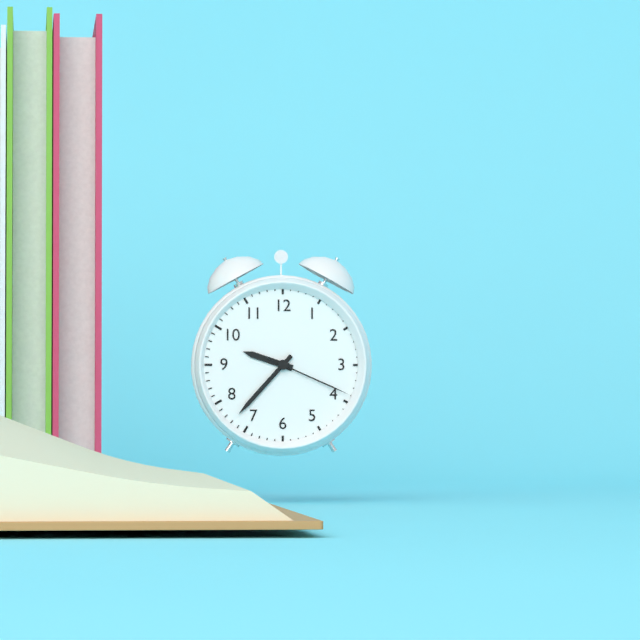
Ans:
h=9 m=37 s=19
